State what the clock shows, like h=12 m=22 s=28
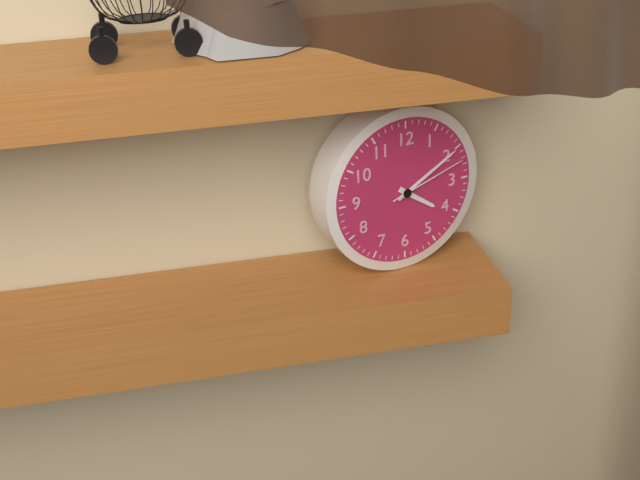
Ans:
h=4 m=10 s=12
